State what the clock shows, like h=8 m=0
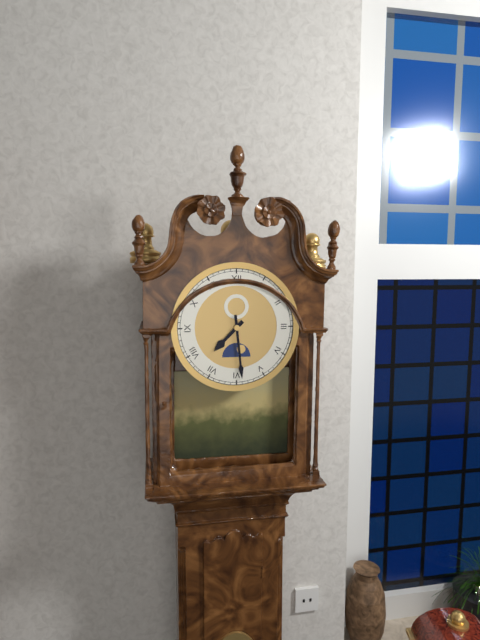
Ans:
h=7 m=29
